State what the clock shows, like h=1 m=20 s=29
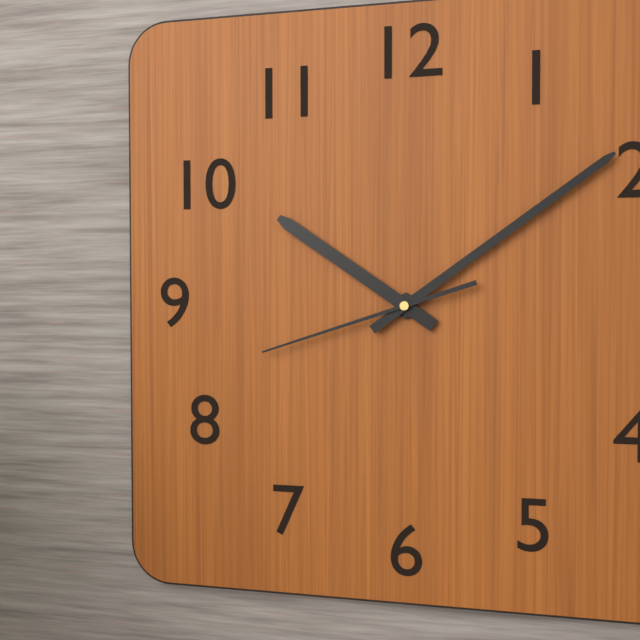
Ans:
h=10 m=9 s=42
